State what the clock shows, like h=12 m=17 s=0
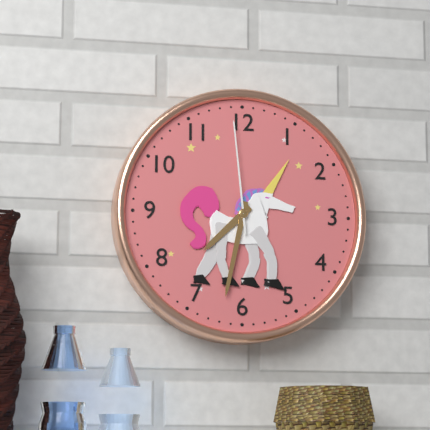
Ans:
h=7 m=32 s=59
